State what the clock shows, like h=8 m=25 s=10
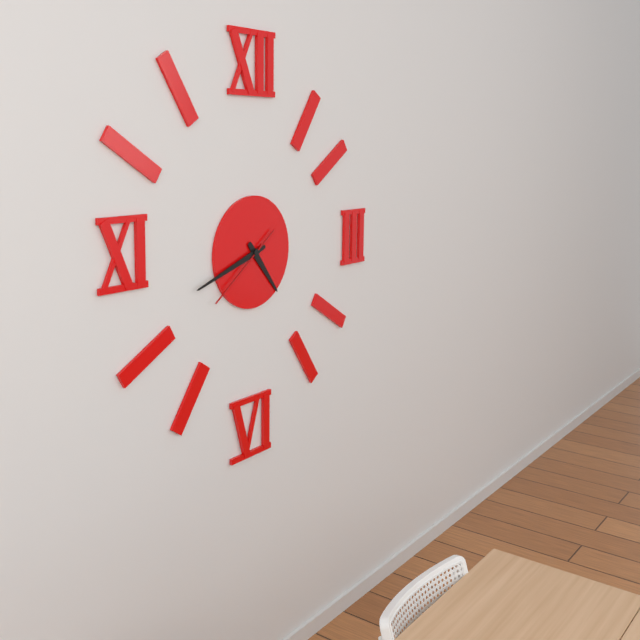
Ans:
h=4 m=42 s=39
